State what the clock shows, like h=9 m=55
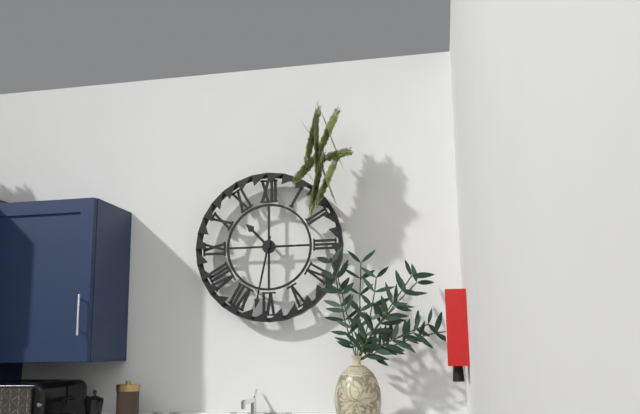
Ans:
h=10 m=32
